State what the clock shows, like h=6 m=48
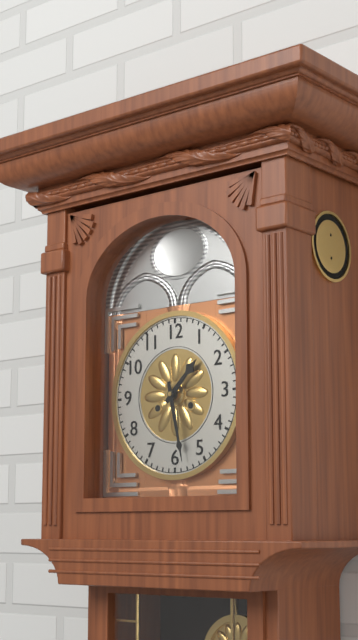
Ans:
h=1 m=28
